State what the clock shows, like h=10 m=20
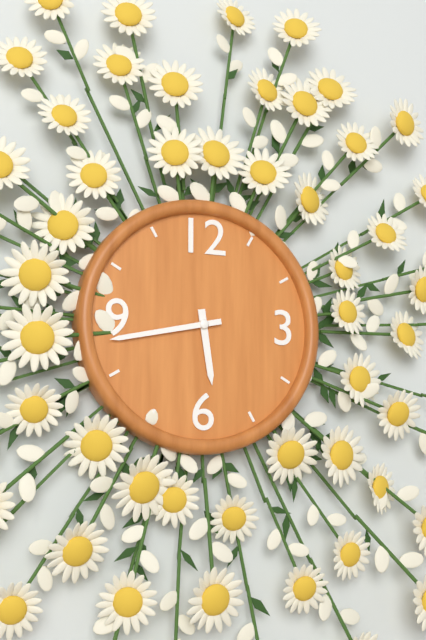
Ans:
h=5 m=43
